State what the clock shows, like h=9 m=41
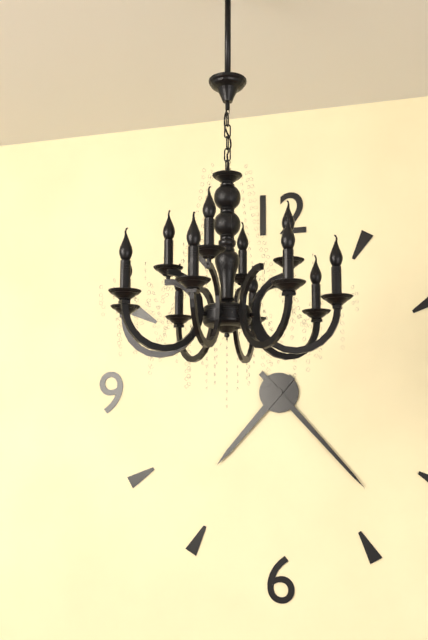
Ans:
h=7 m=23
